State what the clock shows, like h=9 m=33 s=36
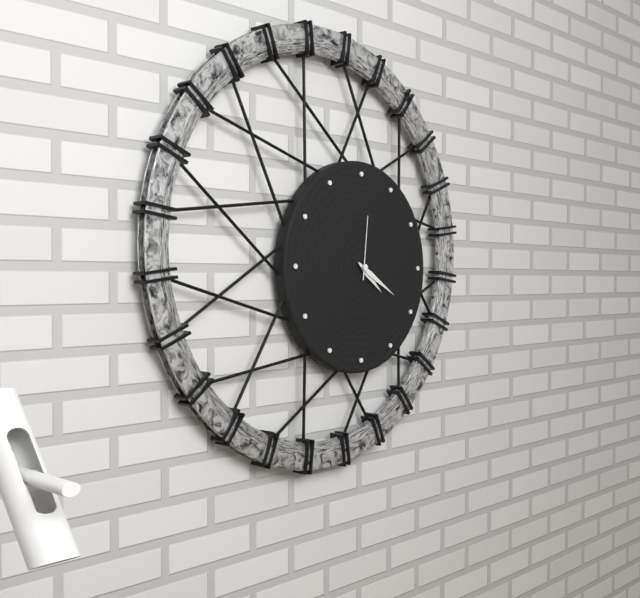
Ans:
h=4 m=20 s=1
